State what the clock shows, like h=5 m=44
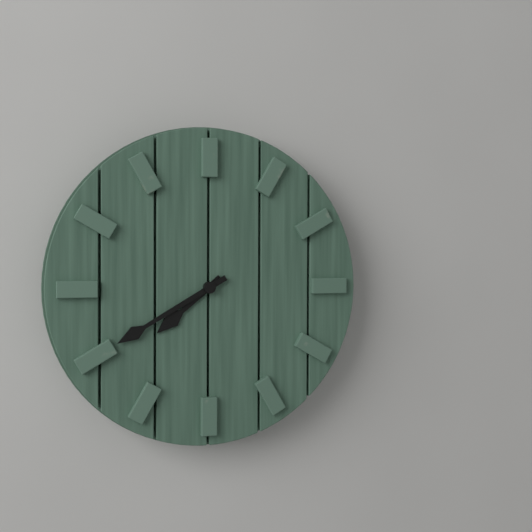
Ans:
h=7 m=40
